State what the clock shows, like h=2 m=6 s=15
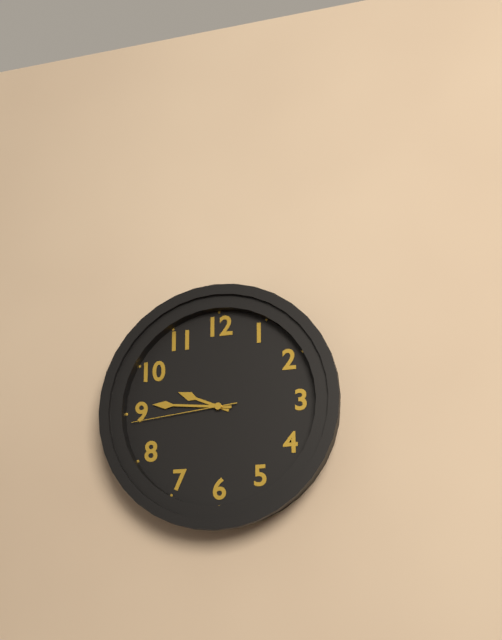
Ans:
h=9 m=46 s=44
